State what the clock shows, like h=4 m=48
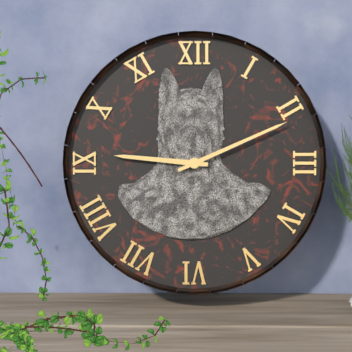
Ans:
h=9 m=11
